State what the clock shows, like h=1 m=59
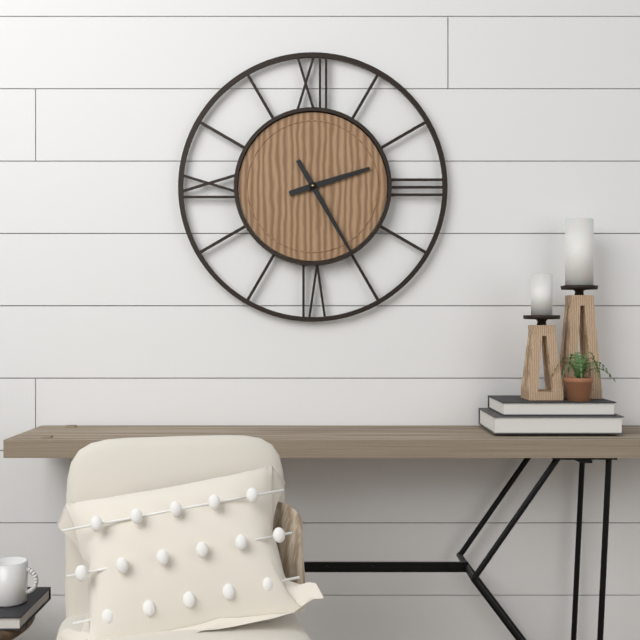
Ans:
h=2 m=25
